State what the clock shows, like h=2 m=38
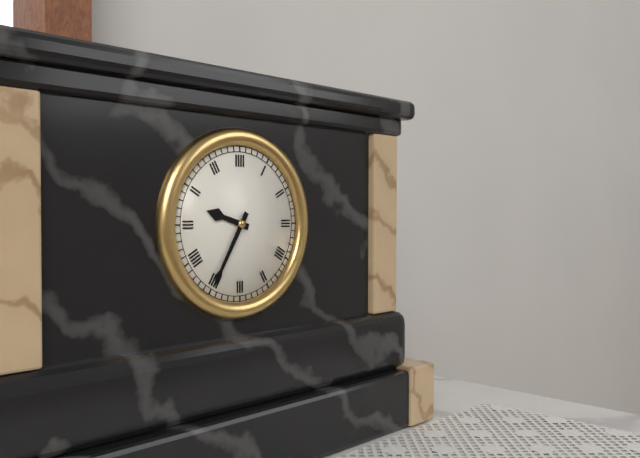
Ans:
h=9 m=35
